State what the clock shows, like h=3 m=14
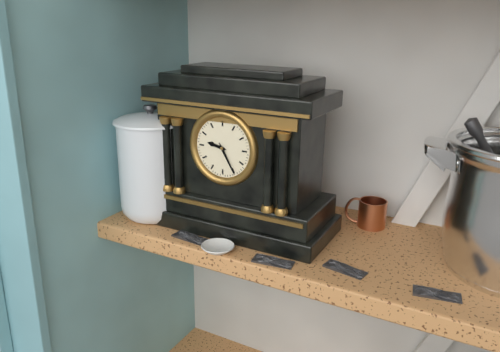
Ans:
h=9 m=25
